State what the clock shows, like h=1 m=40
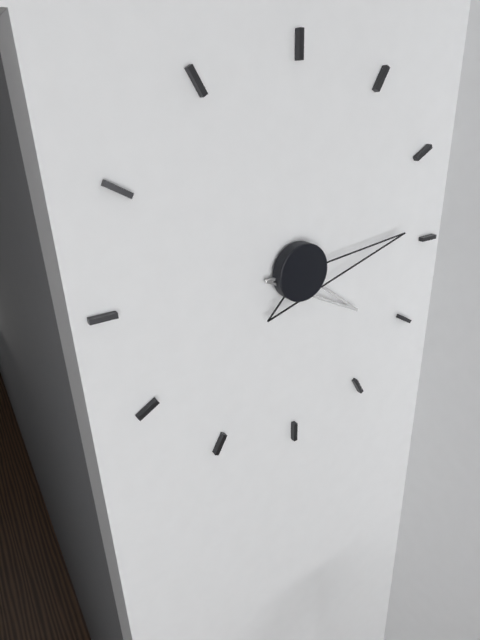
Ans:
h=4 m=14
